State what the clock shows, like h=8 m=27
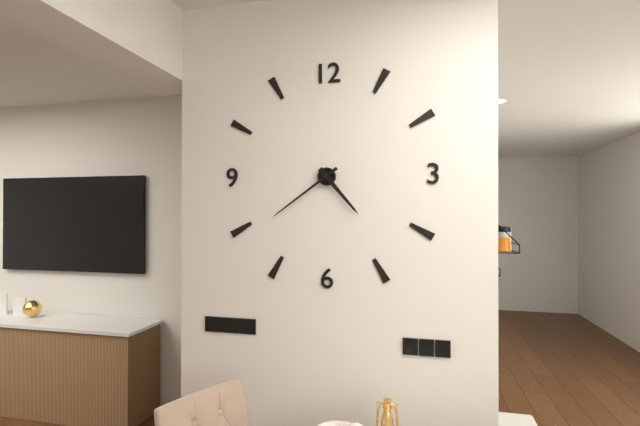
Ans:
h=4 m=39
